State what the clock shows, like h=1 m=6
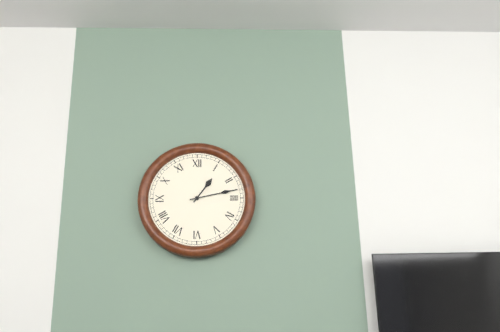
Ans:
h=1 m=13
